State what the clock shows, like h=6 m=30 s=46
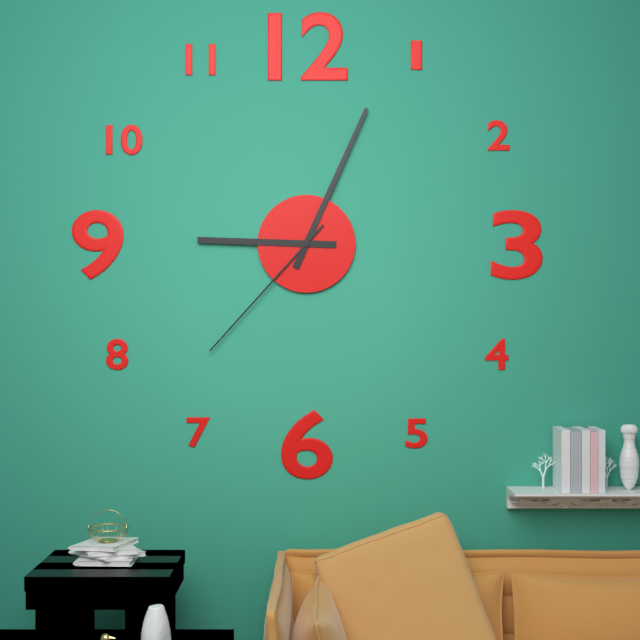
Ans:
h=9 m=4 s=37
